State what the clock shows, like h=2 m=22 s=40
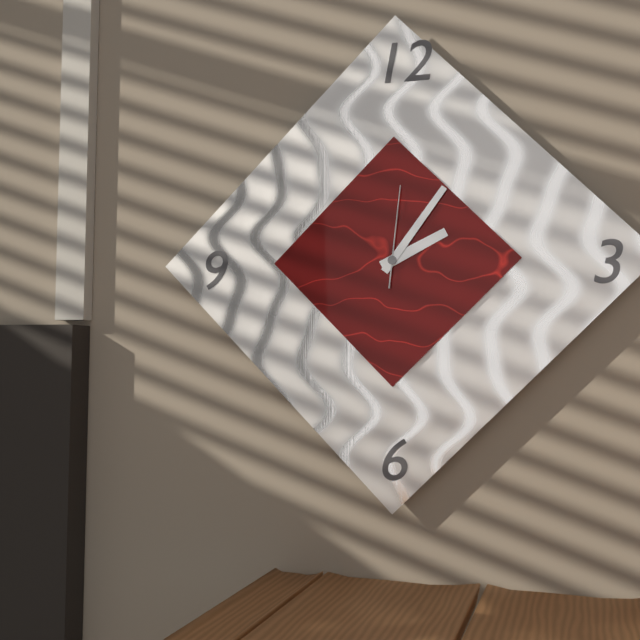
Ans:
h=2 m=6 s=1
